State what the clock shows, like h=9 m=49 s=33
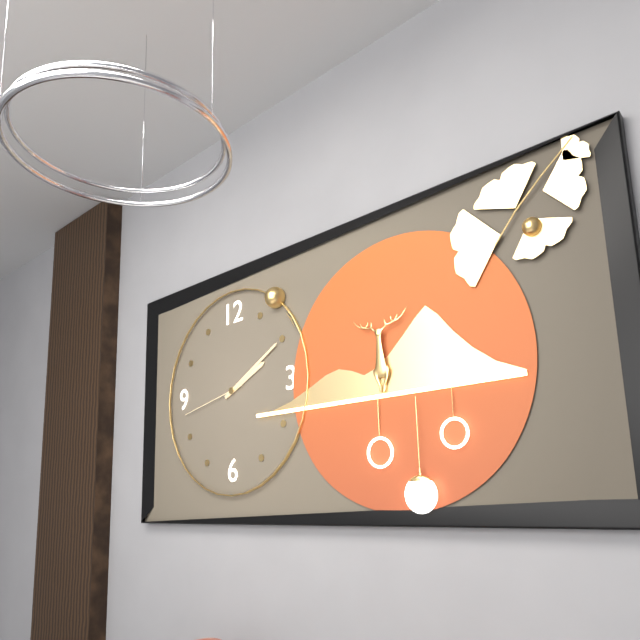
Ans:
h=2 m=10 s=43
